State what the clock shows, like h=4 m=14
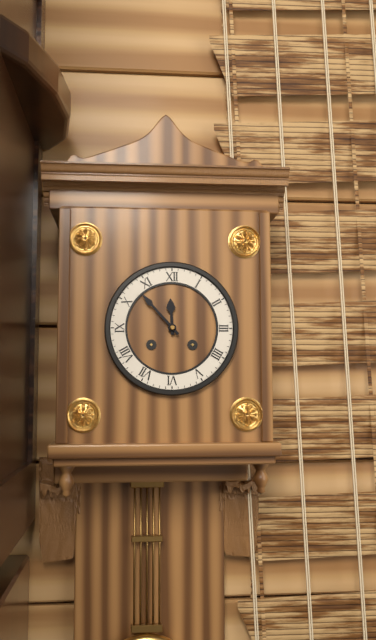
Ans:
h=11 m=53
